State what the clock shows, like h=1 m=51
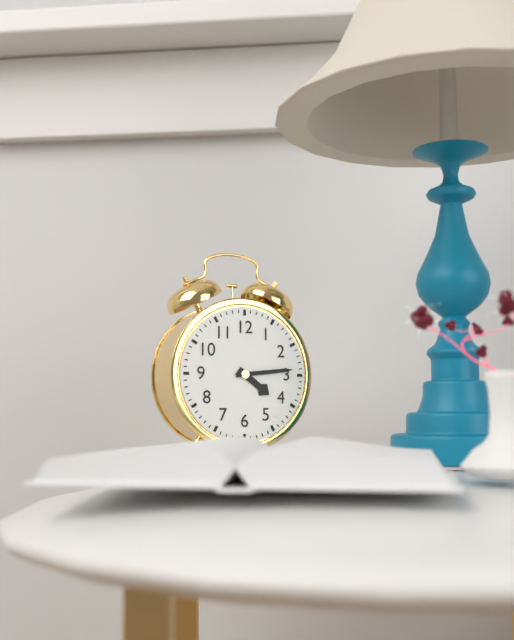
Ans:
h=4 m=14
